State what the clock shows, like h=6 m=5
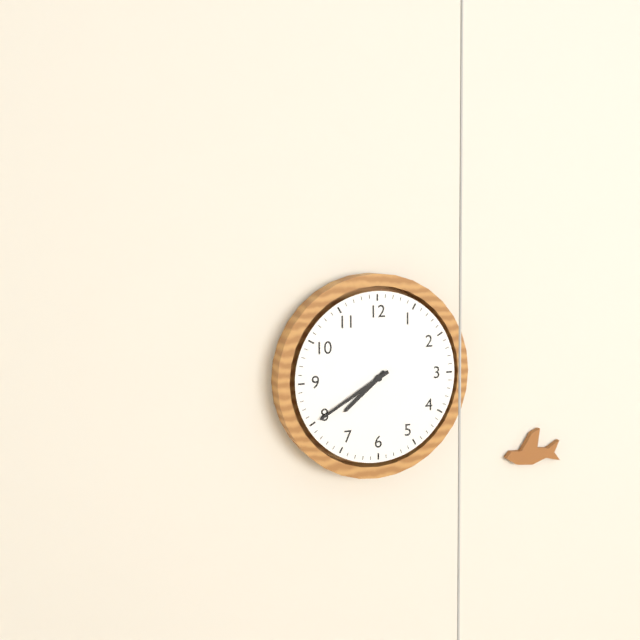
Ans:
h=7 m=40
